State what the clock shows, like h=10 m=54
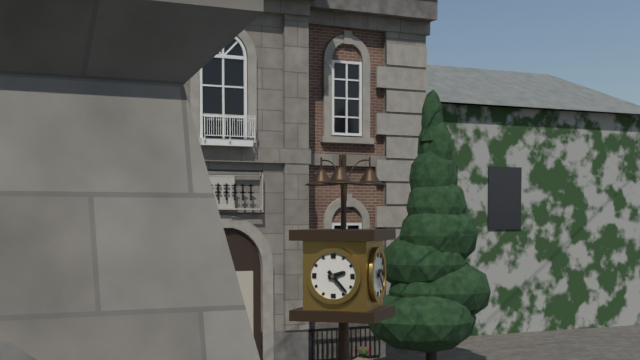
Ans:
h=2 m=23
